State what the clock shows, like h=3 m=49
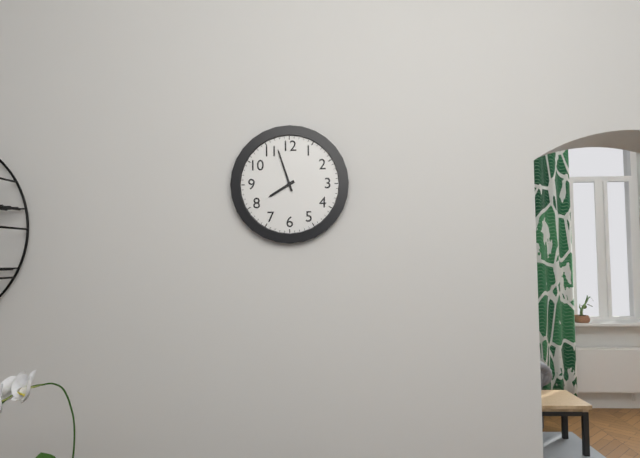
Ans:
h=7 m=57
